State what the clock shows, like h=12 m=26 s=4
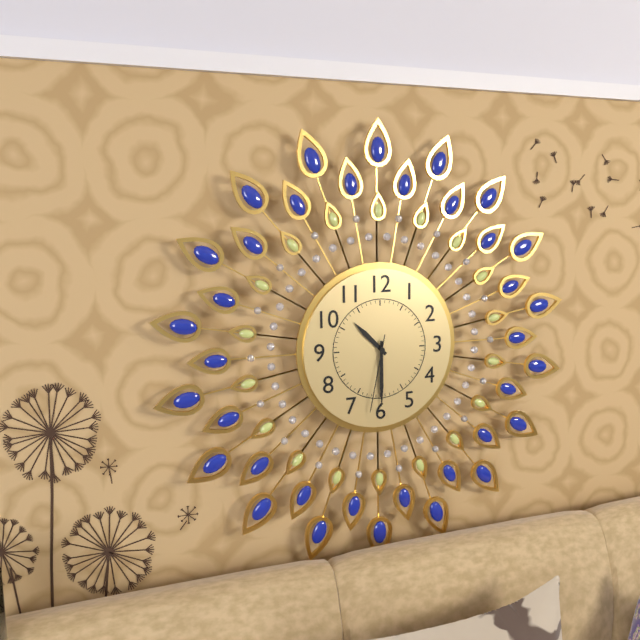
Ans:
h=10 m=30 s=32
